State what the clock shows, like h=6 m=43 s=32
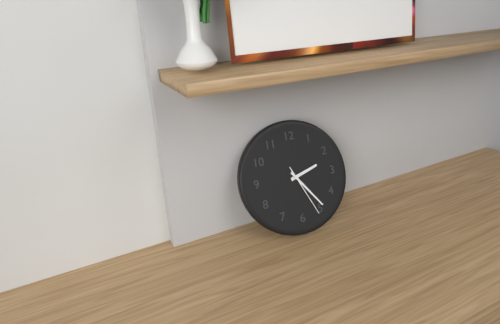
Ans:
h=2 m=24 s=26
